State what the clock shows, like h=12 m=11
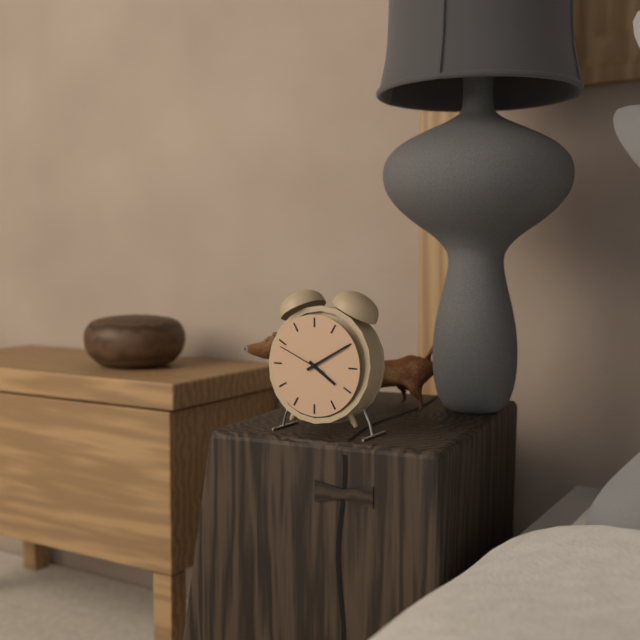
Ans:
h=4 m=10
